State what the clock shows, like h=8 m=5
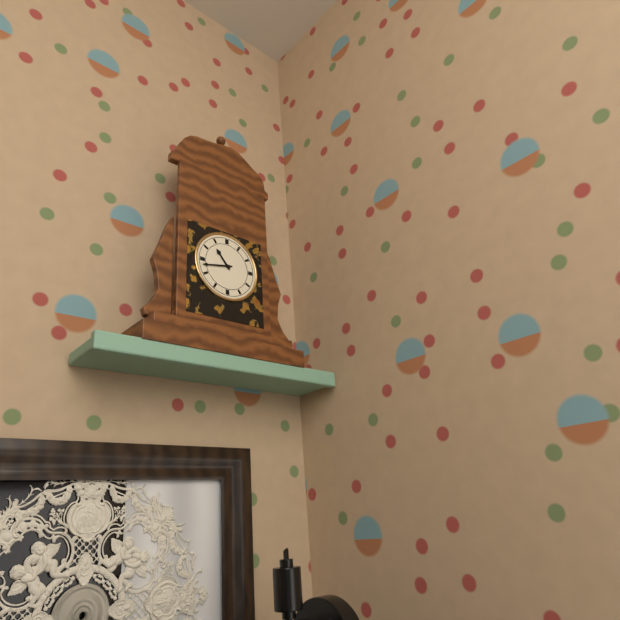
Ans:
h=10 m=43
